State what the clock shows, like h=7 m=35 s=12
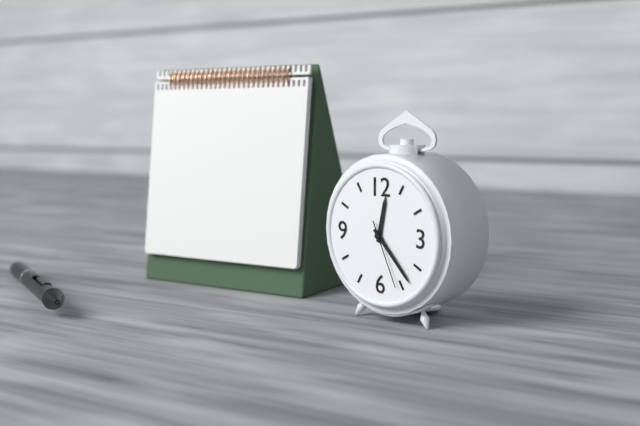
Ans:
h=12 m=23 s=26
